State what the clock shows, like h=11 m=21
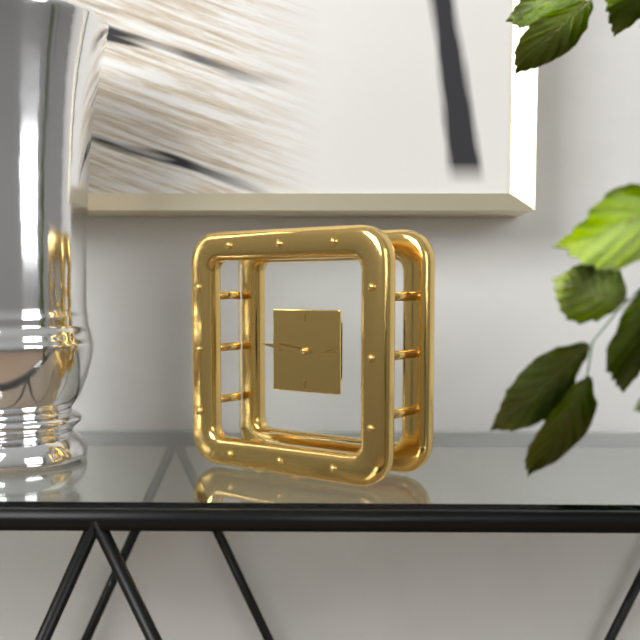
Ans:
h=2 m=46
